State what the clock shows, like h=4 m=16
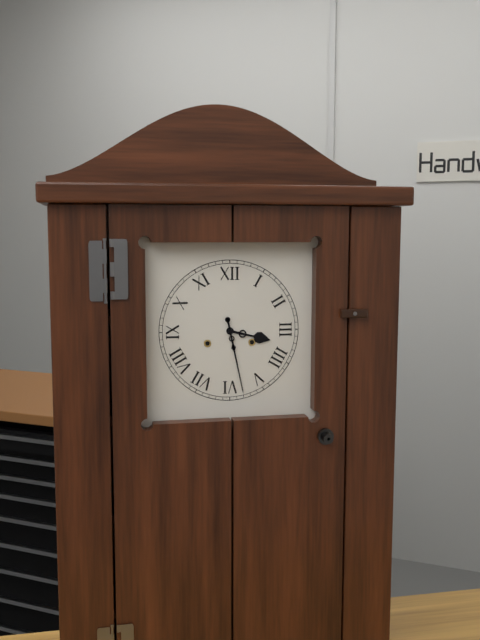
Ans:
h=3 m=28
